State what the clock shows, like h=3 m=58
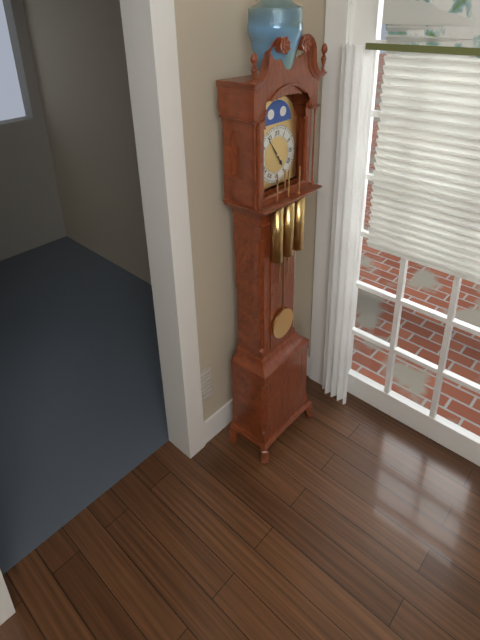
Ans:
h=4 m=54
